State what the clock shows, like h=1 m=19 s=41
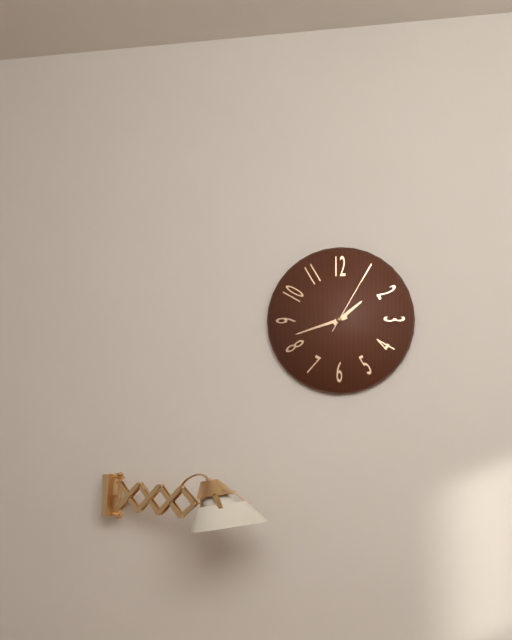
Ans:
h=1 m=42 s=5
